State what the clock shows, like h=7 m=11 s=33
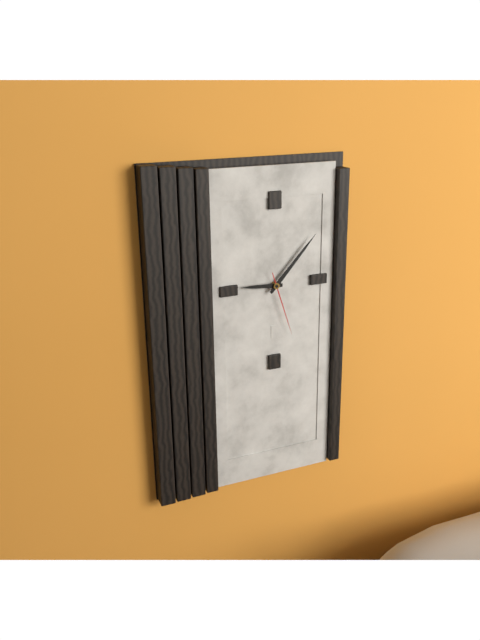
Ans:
h=9 m=7 s=27
